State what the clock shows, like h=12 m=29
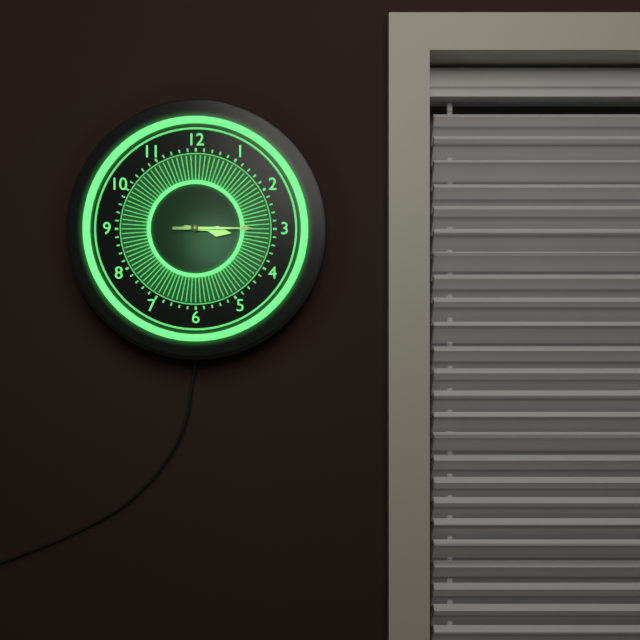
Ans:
h=3 m=15
